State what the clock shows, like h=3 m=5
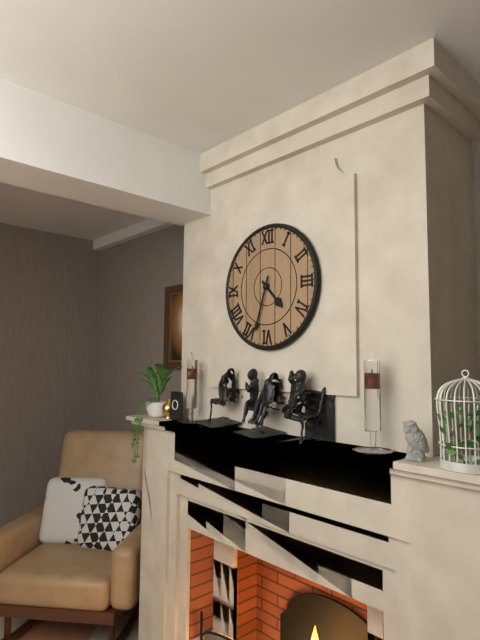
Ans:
h=4 m=33
